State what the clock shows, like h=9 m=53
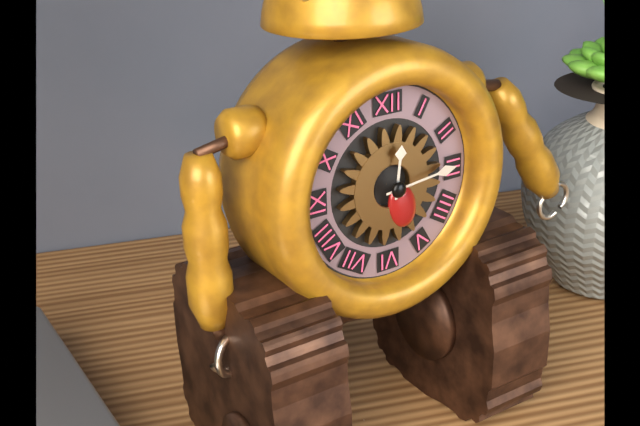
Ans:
h=12 m=14
